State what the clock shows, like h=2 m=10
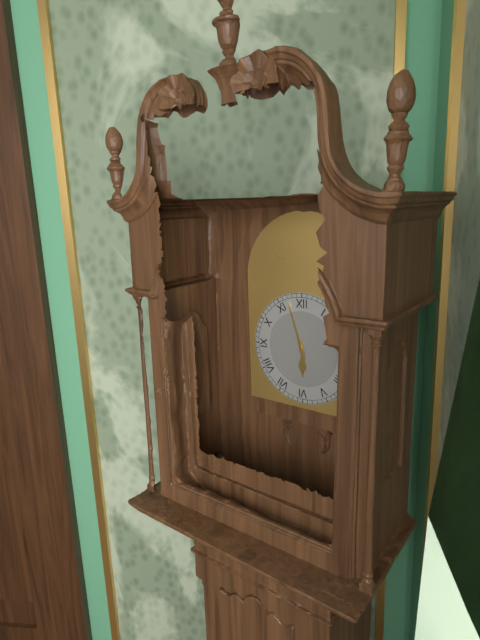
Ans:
h=5 m=57
